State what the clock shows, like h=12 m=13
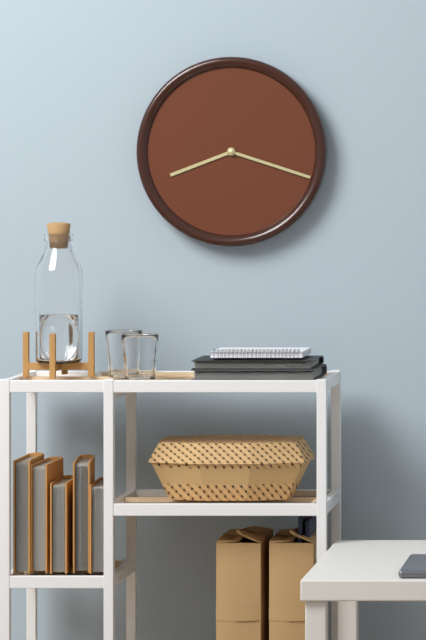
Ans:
h=8 m=18
